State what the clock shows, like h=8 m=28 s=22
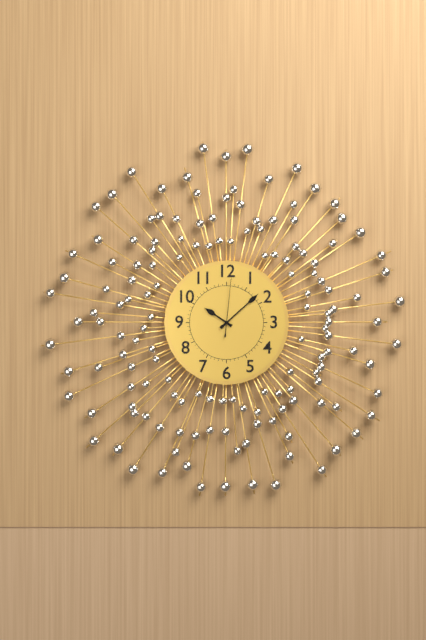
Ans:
h=10 m=8 s=1
